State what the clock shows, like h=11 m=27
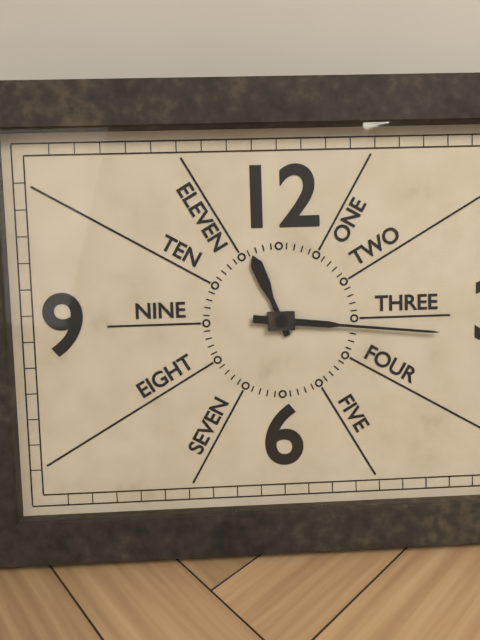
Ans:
h=11 m=16
